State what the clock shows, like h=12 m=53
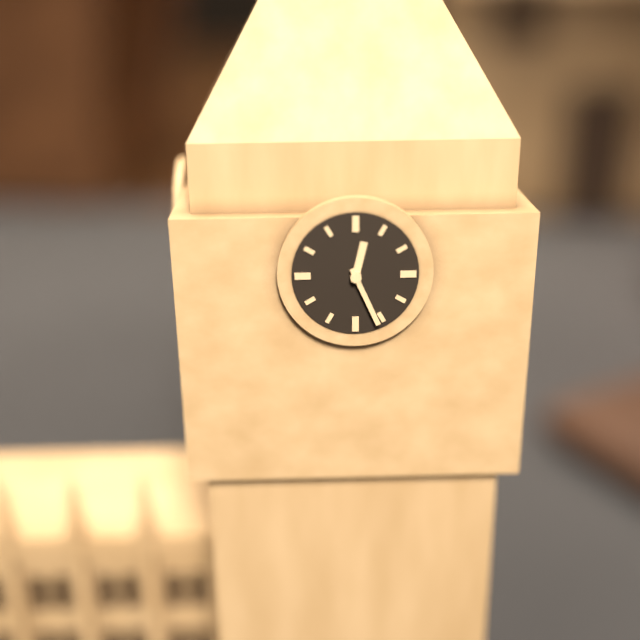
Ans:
h=12 m=26
